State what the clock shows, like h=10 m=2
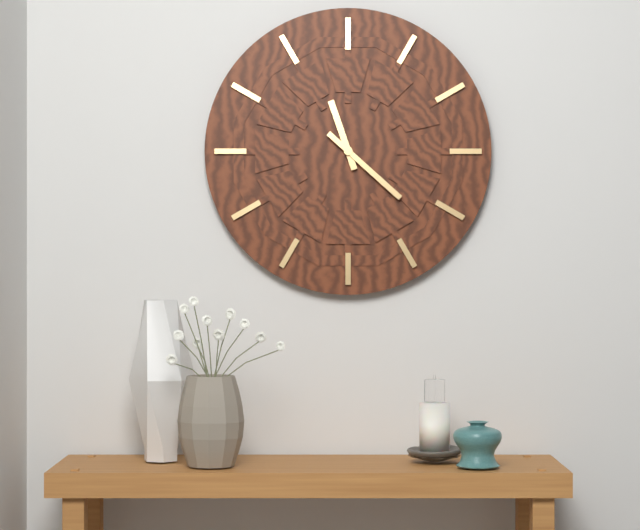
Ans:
h=11 m=22
